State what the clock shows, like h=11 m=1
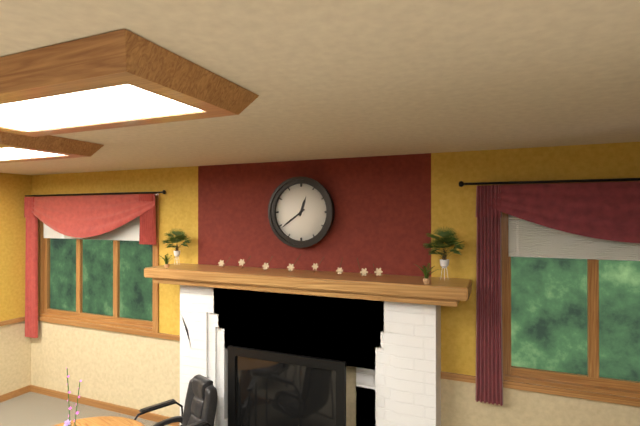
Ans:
h=12 m=39
